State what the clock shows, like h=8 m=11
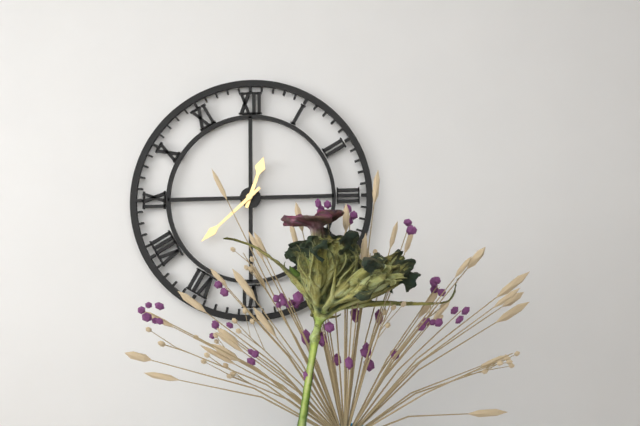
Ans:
h=12 m=38
